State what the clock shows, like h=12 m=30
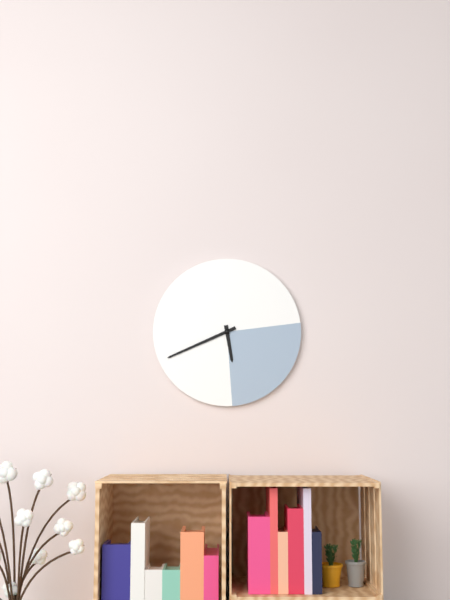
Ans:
h=5 m=41
